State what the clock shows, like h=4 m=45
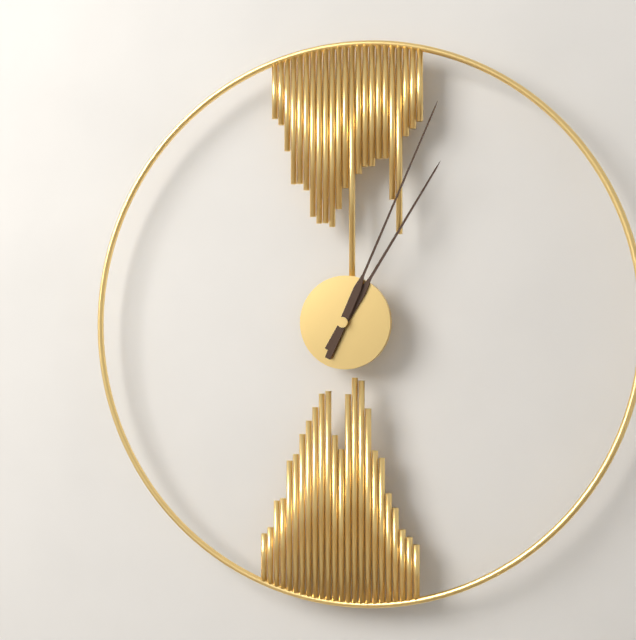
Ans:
h=1 m=4
